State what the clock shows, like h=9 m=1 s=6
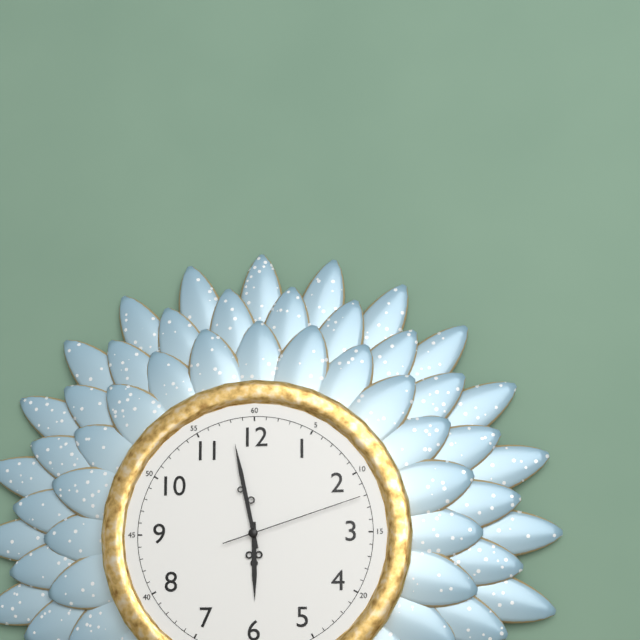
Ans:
h=5 m=58 s=12
